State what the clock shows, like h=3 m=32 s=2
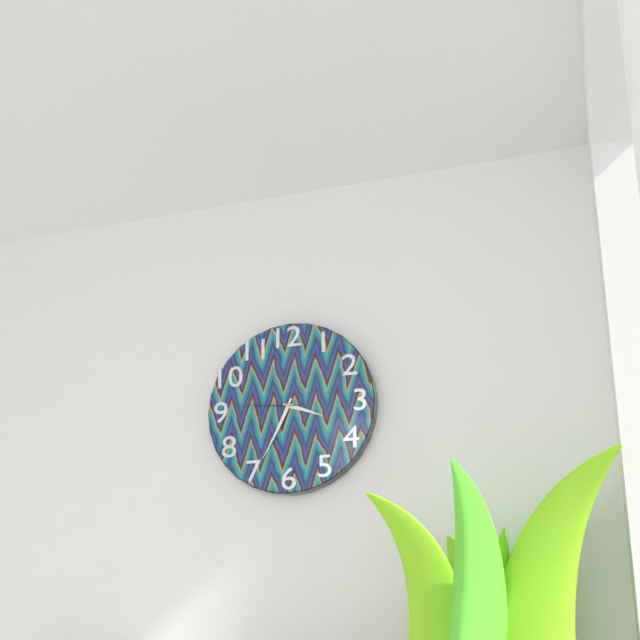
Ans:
h=3 m=34 s=46
